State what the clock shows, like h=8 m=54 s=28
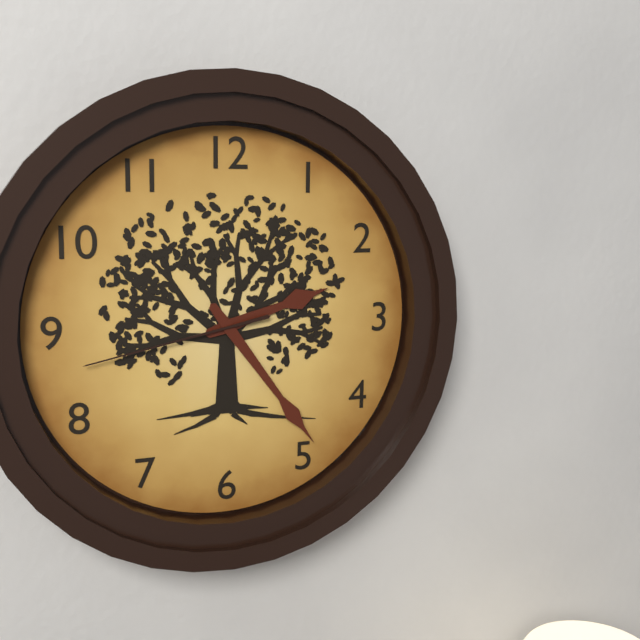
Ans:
h=2 m=24 s=43
